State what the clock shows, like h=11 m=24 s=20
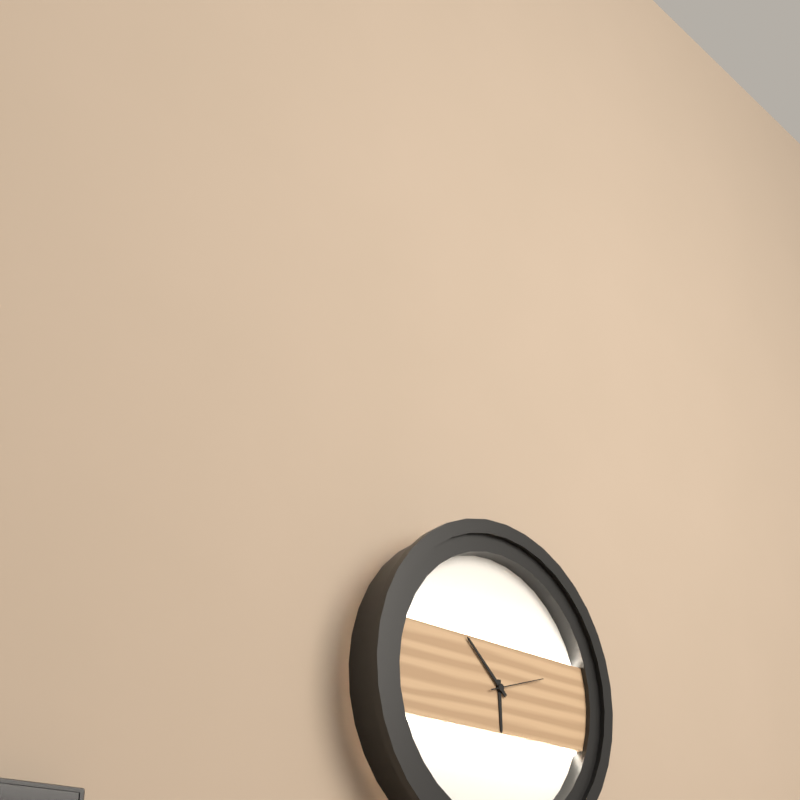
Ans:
h=5 m=52 s=12
